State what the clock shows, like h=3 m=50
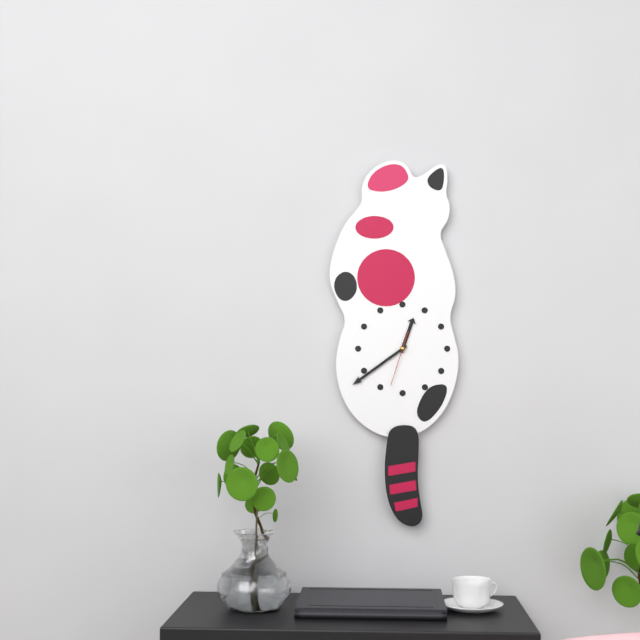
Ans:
h=12 m=39
